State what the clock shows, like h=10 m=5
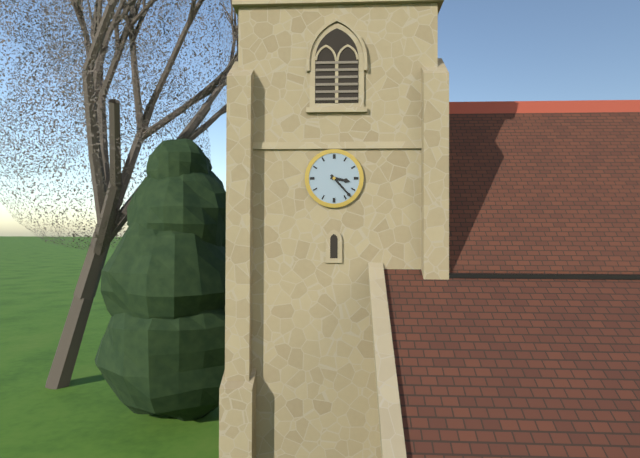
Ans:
h=3 m=23
